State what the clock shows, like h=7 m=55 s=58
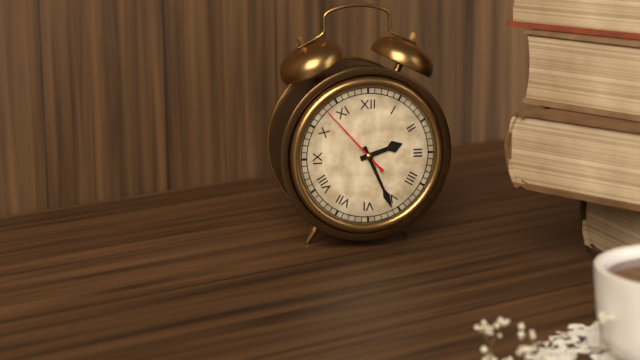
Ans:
h=2 m=26 s=53
